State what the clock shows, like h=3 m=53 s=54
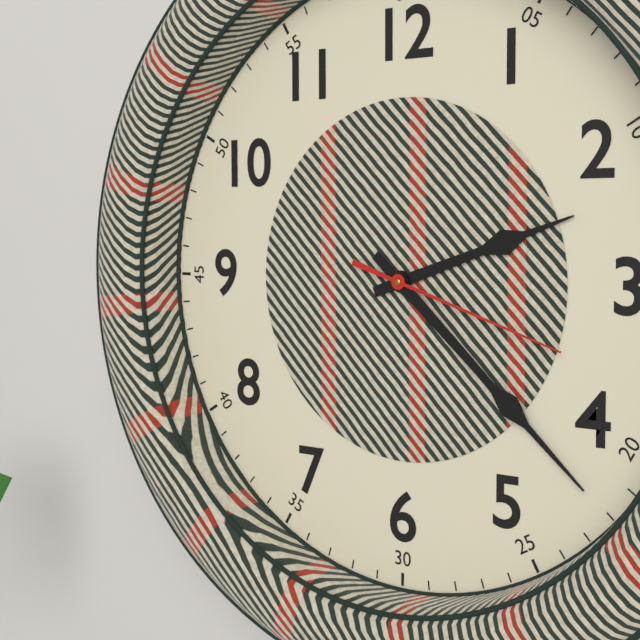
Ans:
h=2 m=22 s=18
